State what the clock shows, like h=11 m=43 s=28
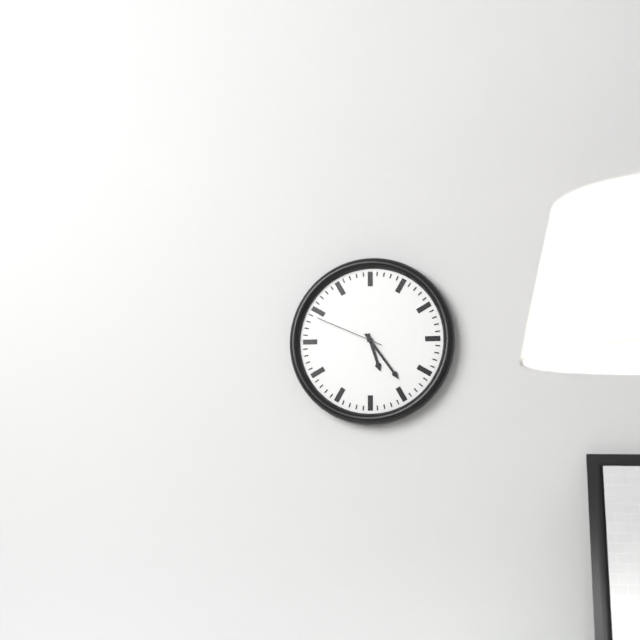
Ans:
h=5 m=24 s=49
